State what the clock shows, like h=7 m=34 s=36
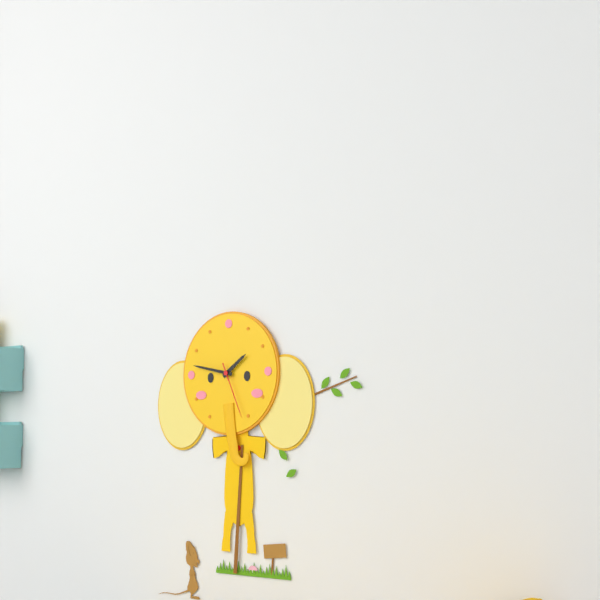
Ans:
h=1 m=47 s=26
